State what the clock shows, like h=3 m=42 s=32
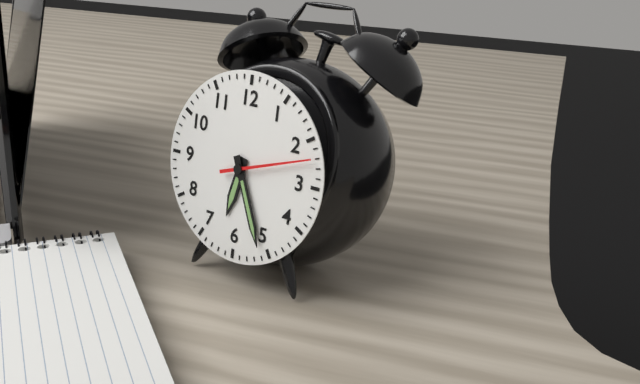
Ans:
h=6 m=26 s=12
